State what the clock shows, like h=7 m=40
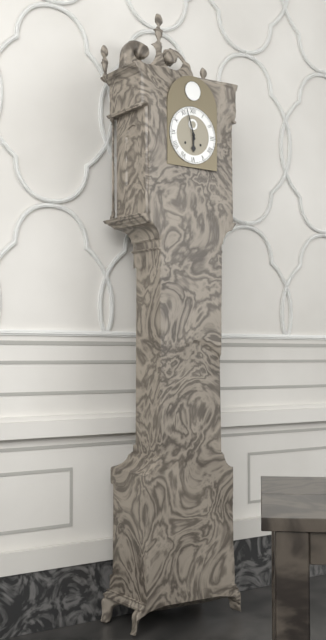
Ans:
h=5 m=57
